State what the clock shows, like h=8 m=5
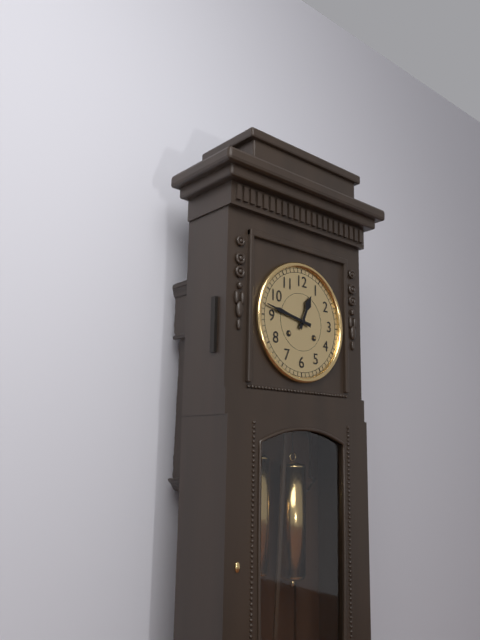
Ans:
h=12 m=47
